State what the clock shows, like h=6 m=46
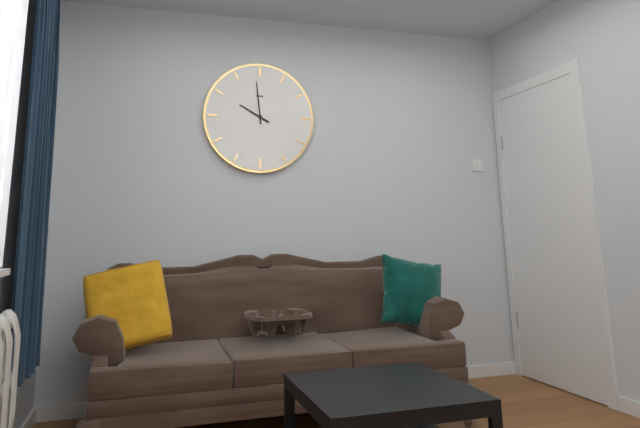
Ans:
h=9 m=59
